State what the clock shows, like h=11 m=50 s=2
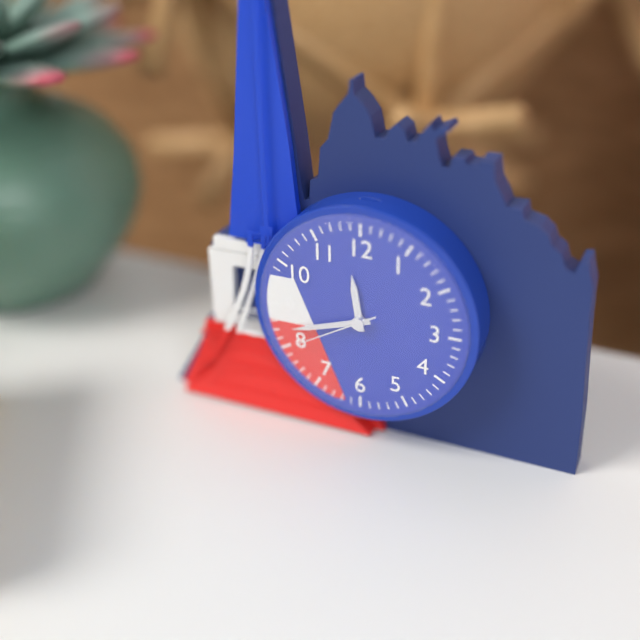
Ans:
h=11 m=42 s=40
